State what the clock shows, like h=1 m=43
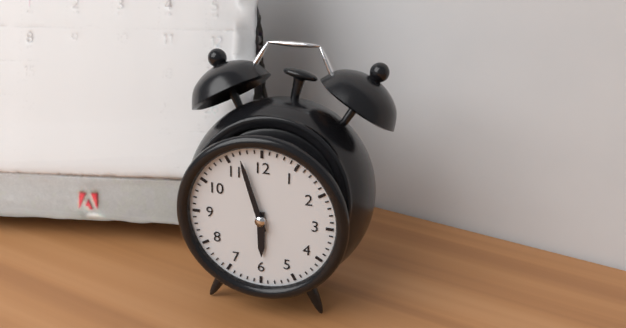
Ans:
h=5 m=57
